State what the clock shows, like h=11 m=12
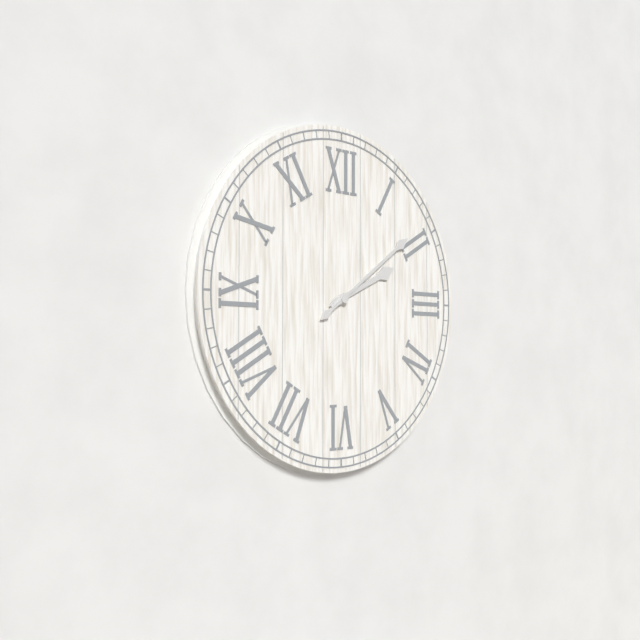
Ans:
h=2 m=9
